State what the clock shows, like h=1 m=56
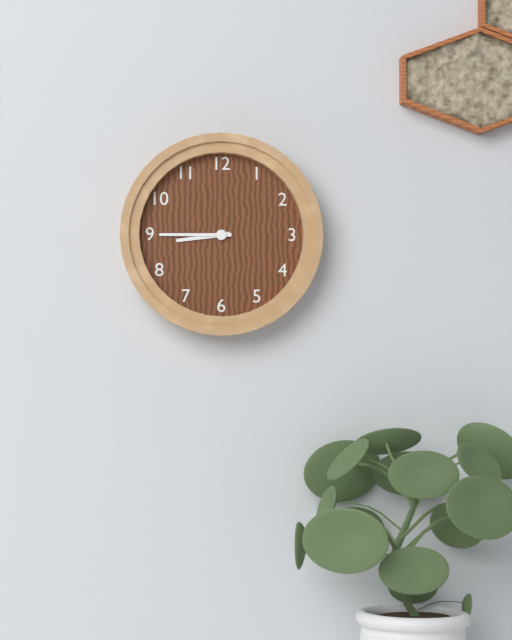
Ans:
h=8 m=45
